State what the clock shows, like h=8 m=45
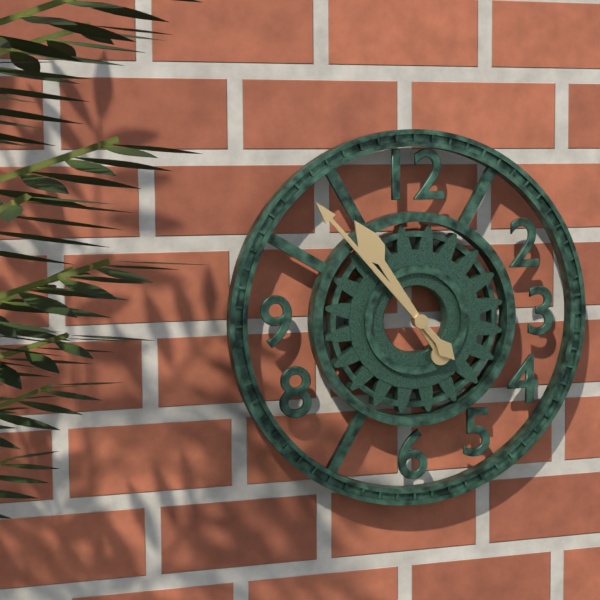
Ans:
h=10 m=53
